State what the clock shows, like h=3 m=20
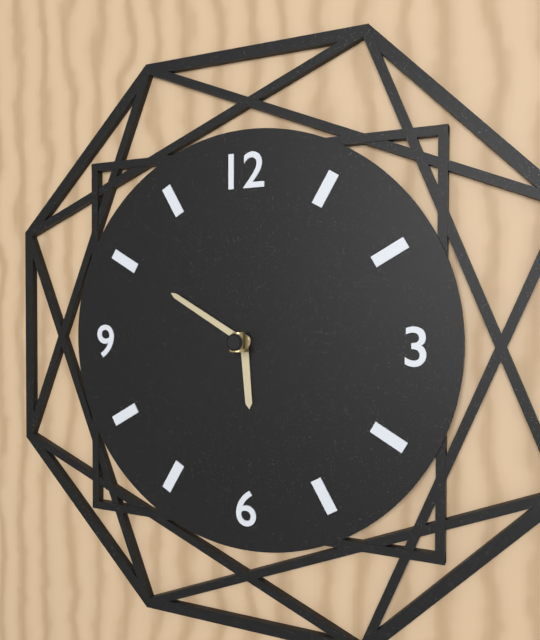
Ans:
h=5 m=50
